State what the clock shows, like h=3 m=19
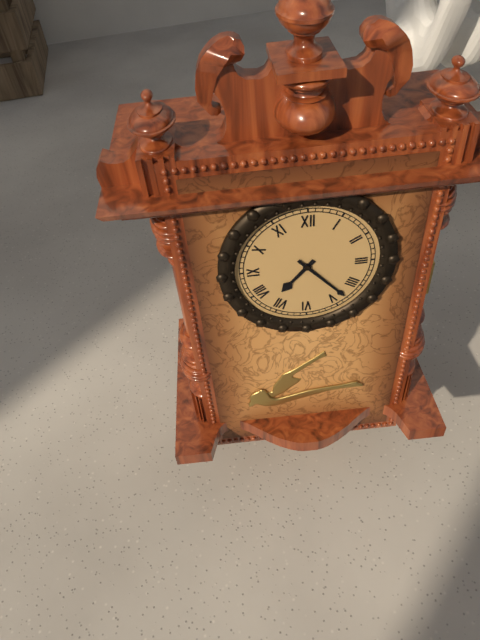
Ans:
h=7 m=23
